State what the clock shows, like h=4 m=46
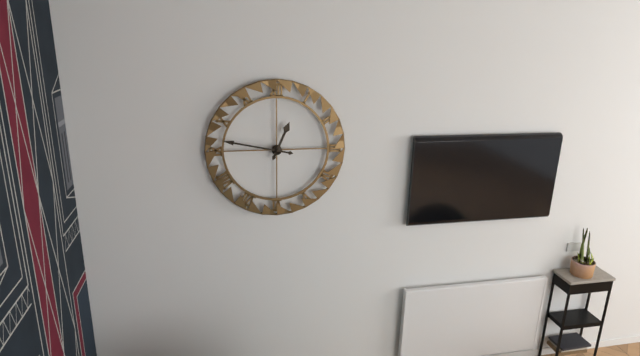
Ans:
h=12 m=47
